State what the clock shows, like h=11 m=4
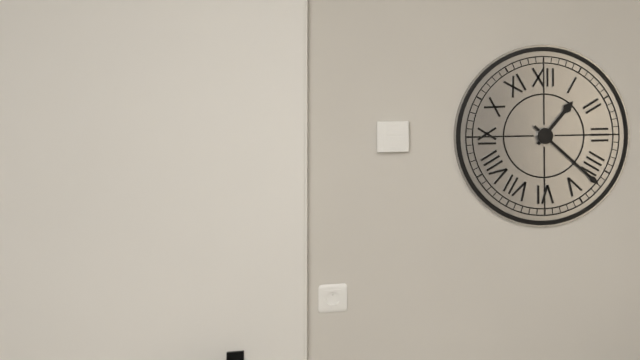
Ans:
h=1 m=22
